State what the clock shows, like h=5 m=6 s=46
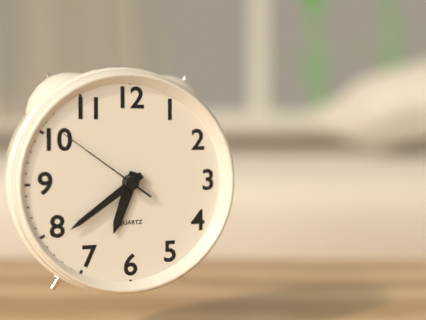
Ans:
h=6 m=39 s=51
